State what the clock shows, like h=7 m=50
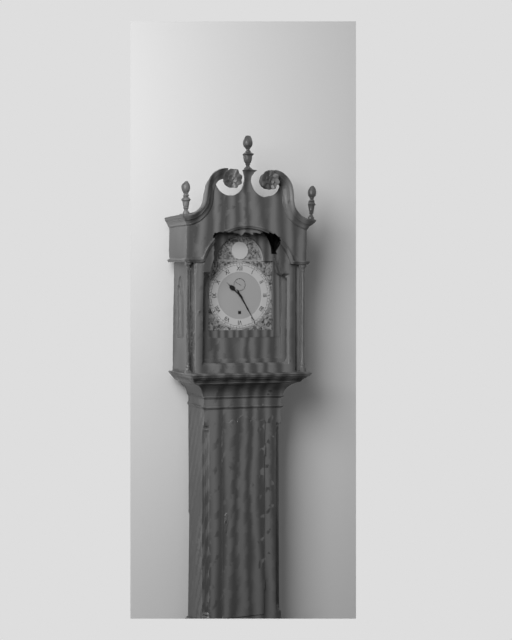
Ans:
h=10 m=25
